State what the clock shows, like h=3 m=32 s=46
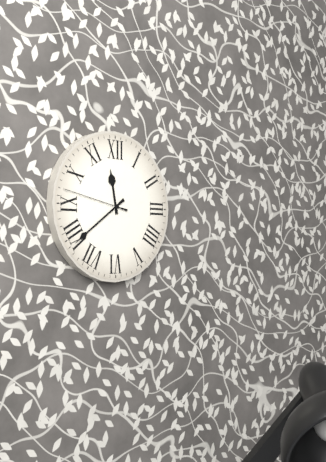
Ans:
h=11 m=39 s=47
